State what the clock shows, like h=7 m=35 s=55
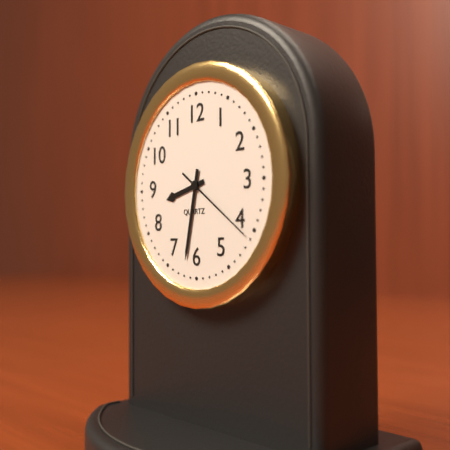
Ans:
h=8 m=32 s=21
